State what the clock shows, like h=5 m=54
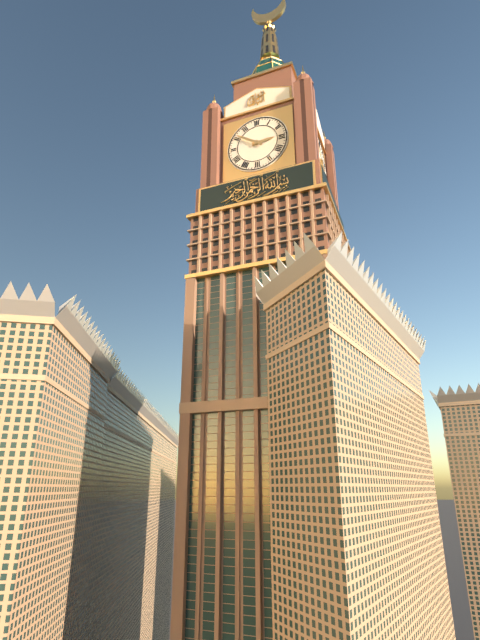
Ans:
h=2 m=51
